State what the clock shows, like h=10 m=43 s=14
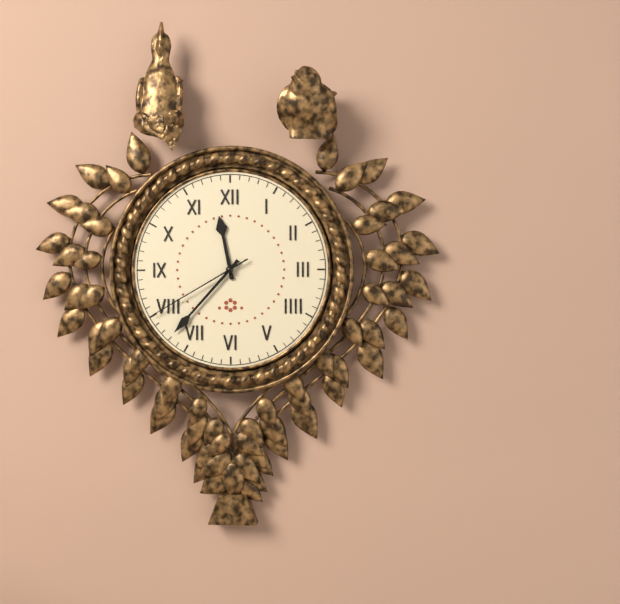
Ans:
h=11 m=37 s=40
